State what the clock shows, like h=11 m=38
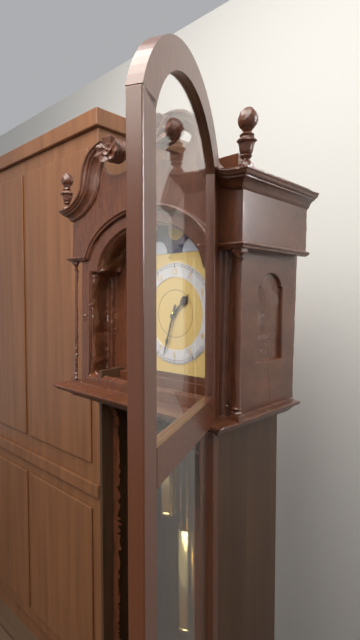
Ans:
h=1 m=33
